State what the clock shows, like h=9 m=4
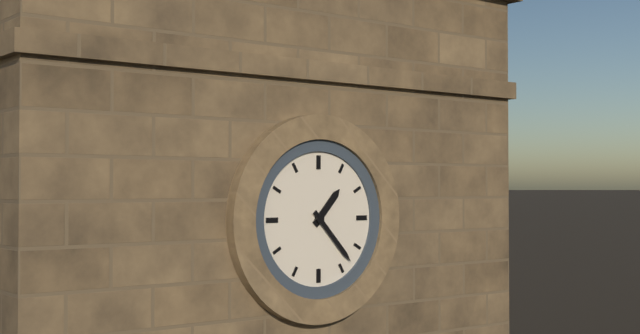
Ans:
h=1 m=23
